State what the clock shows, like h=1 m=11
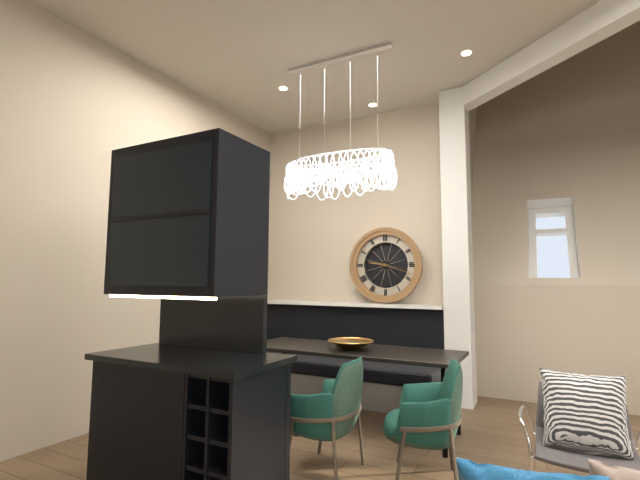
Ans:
h=9 m=18
